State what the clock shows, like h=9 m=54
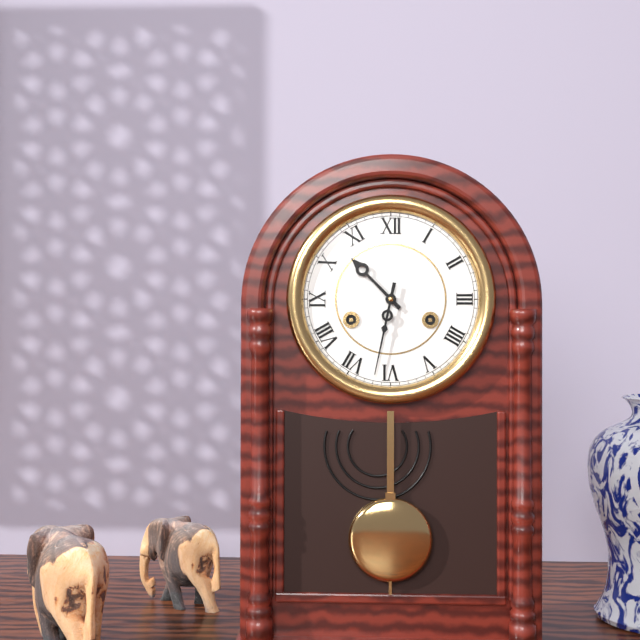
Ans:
h=10 m=32
